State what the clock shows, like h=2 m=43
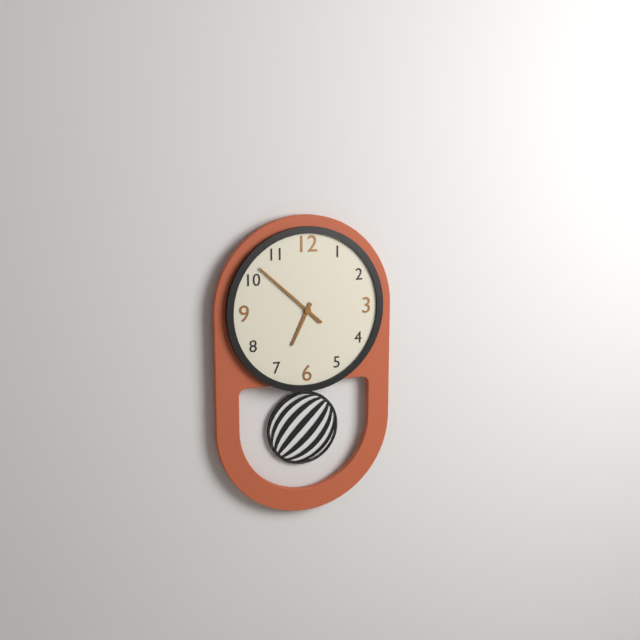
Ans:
h=6 m=52
